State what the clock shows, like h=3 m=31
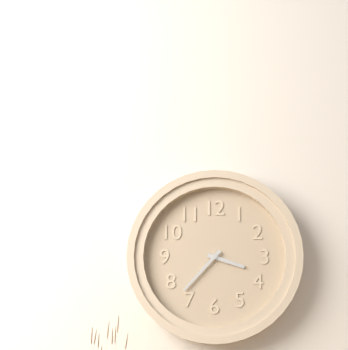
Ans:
h=3 m=37
